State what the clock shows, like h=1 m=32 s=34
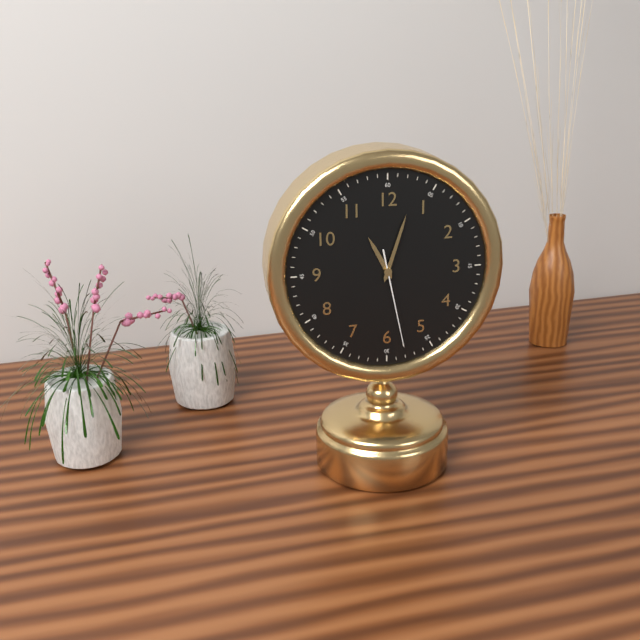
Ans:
h=11 m=3 s=28
